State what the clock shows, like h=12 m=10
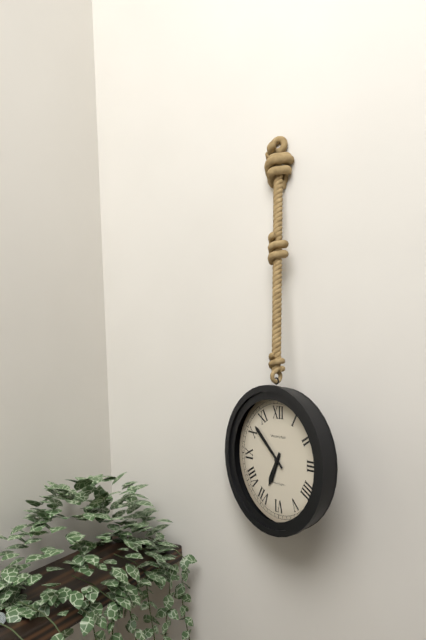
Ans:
h=6 m=52
